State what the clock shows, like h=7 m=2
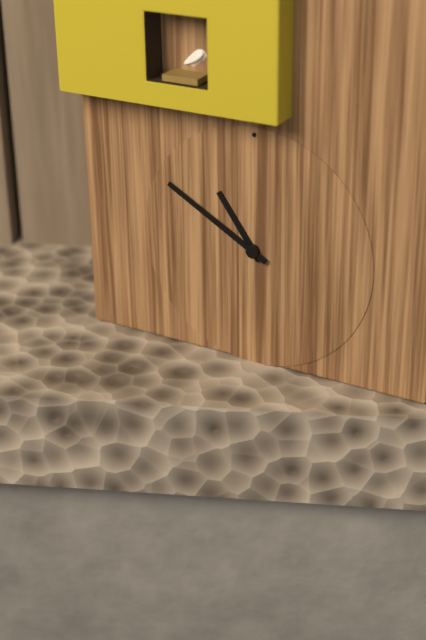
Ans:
h=10 m=50
